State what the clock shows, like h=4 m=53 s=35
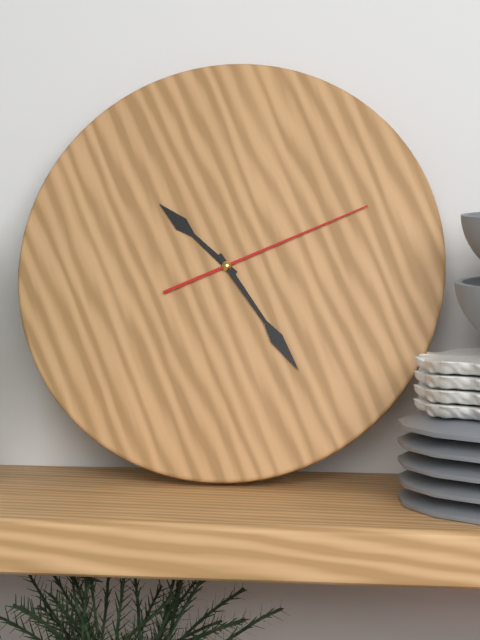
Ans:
h=10 m=24 s=11
